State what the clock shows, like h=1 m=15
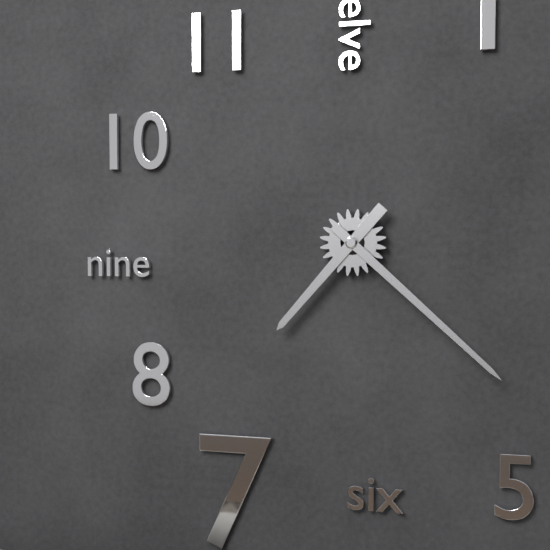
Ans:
h=7 m=22
